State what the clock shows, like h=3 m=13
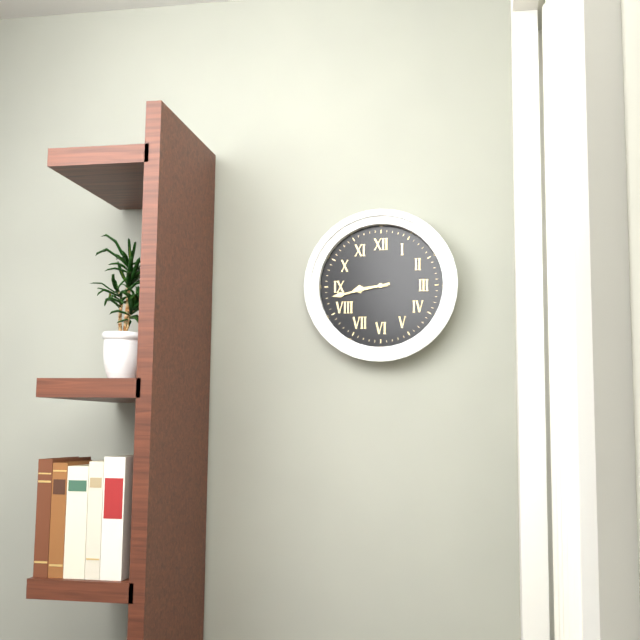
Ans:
h=8 m=43
